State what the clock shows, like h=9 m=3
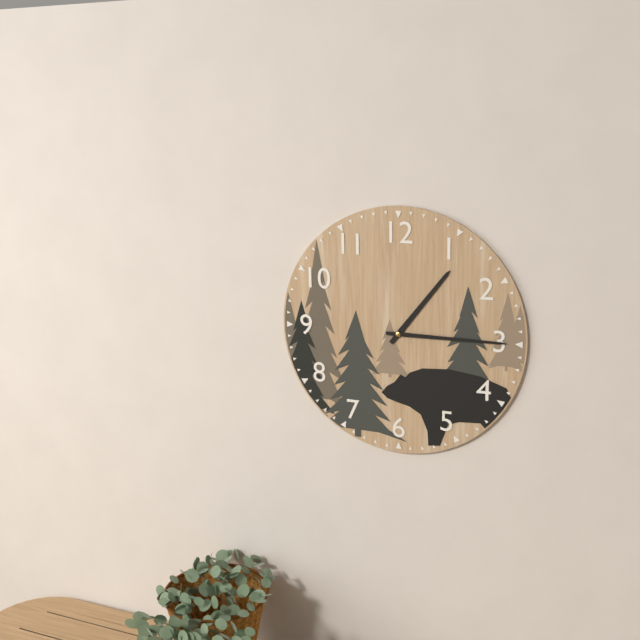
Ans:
h=1 m=15
